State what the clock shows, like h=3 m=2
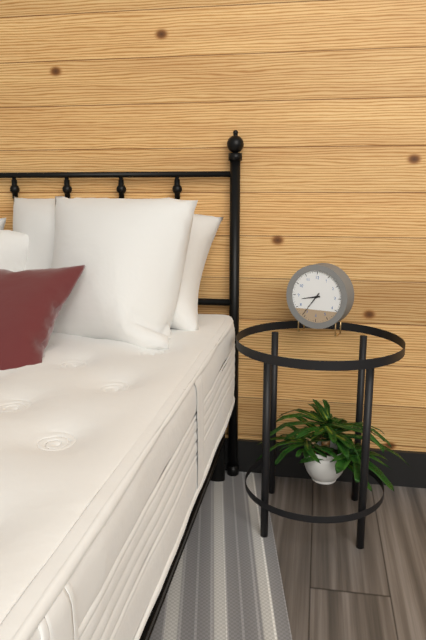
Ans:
h=8 m=36
